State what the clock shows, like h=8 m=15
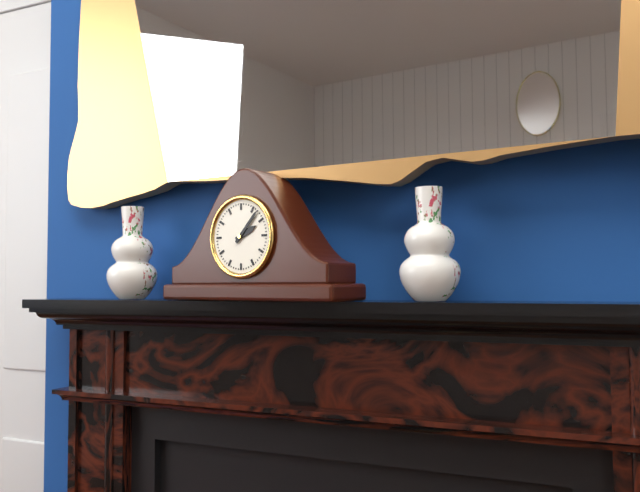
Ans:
h=2 m=7
